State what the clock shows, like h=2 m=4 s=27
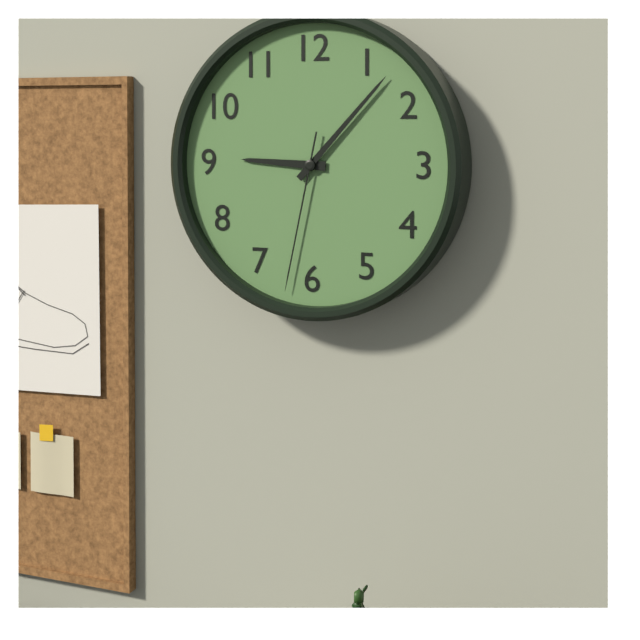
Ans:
h=9 m=7 s=32
